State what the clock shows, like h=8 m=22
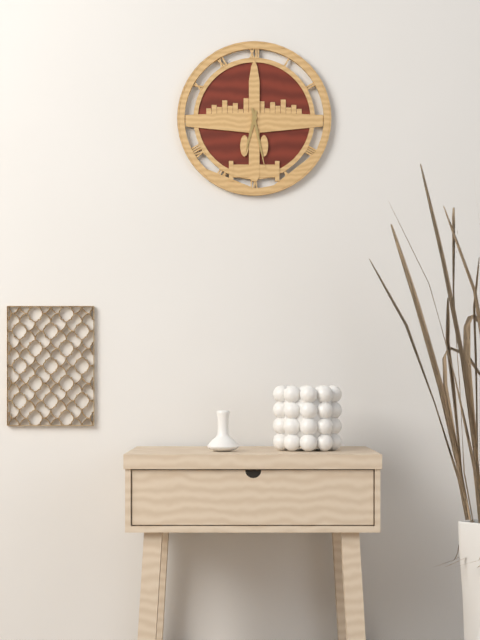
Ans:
h=6 m=28
